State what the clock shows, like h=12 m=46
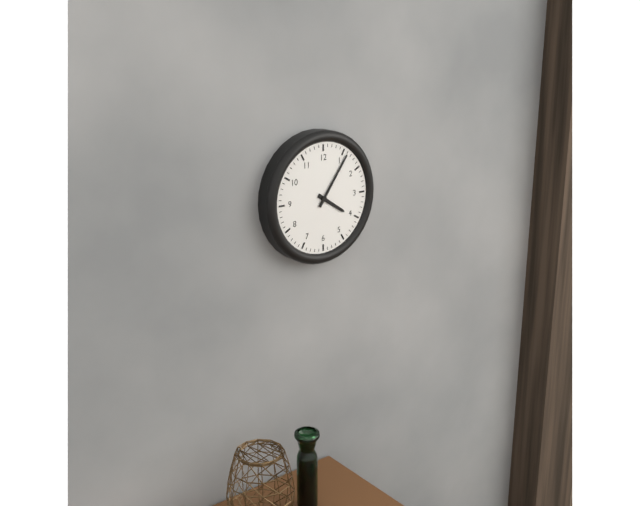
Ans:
h=4 m=6
